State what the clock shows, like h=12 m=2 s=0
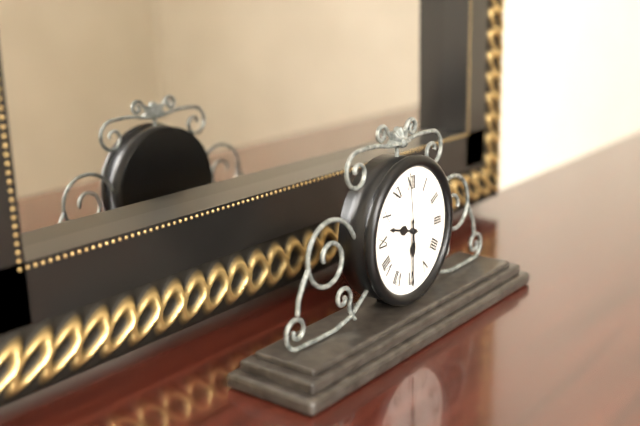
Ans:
h=9 m=30 s=59
